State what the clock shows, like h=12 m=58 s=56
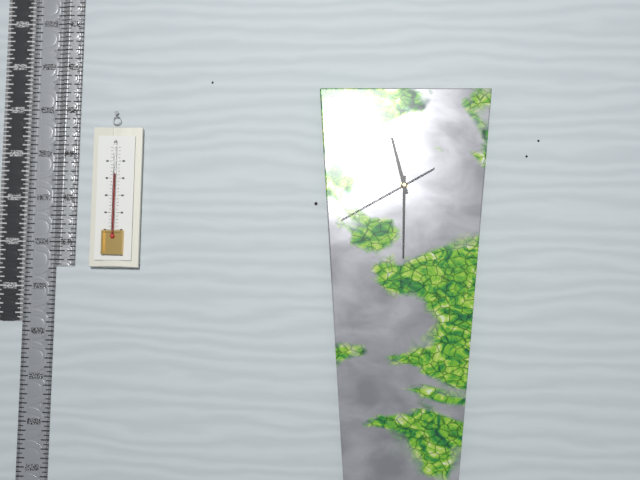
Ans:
h=11 m=30 s=40
